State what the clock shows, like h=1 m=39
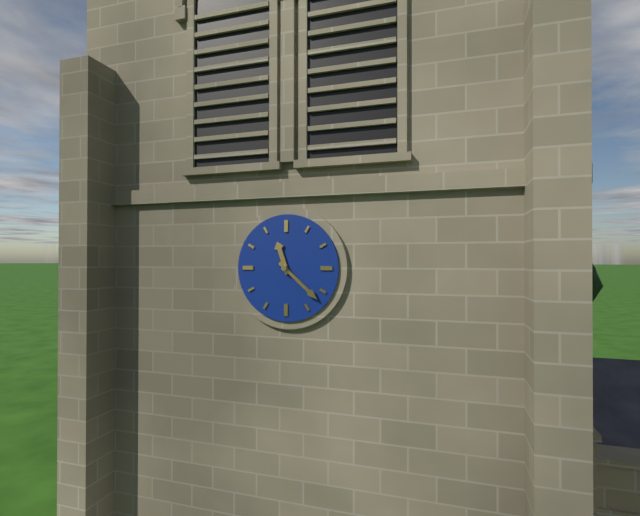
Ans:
h=11 m=22
